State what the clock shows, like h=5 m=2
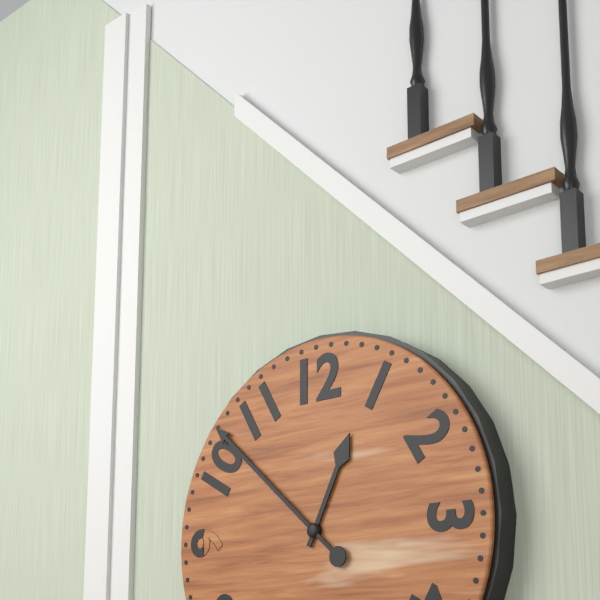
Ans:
h=12 m=52
